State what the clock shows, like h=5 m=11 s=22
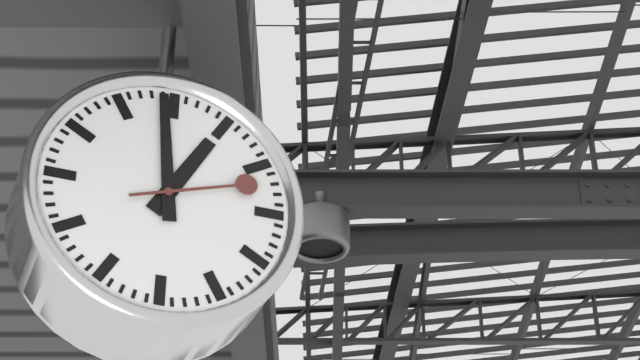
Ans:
h=12 m=59 s=12
